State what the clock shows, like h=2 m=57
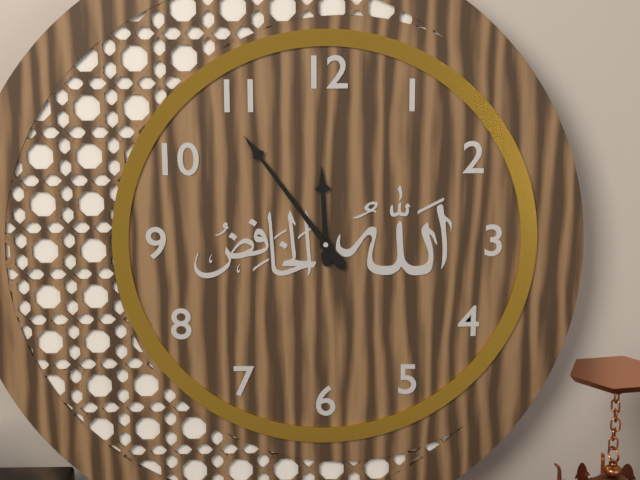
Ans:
h=11 m=54
